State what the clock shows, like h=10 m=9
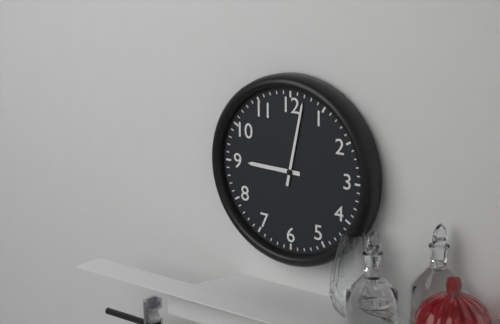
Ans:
h=9 m=2
